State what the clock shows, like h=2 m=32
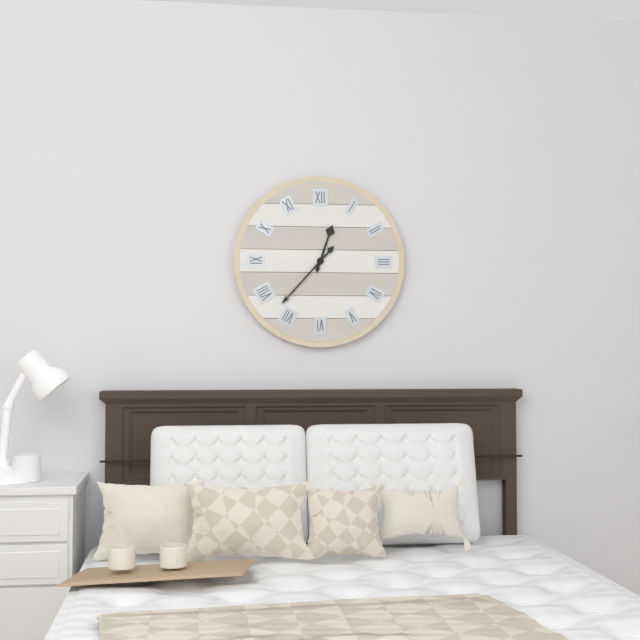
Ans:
h=12 m=37
